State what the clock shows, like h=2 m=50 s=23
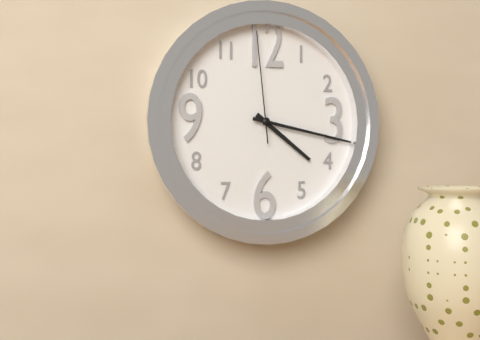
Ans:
h=4 m=17 s=59
